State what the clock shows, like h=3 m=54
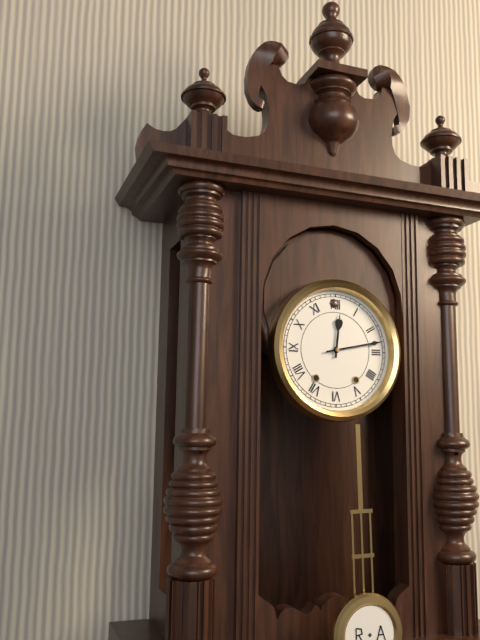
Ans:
h=12 m=13
